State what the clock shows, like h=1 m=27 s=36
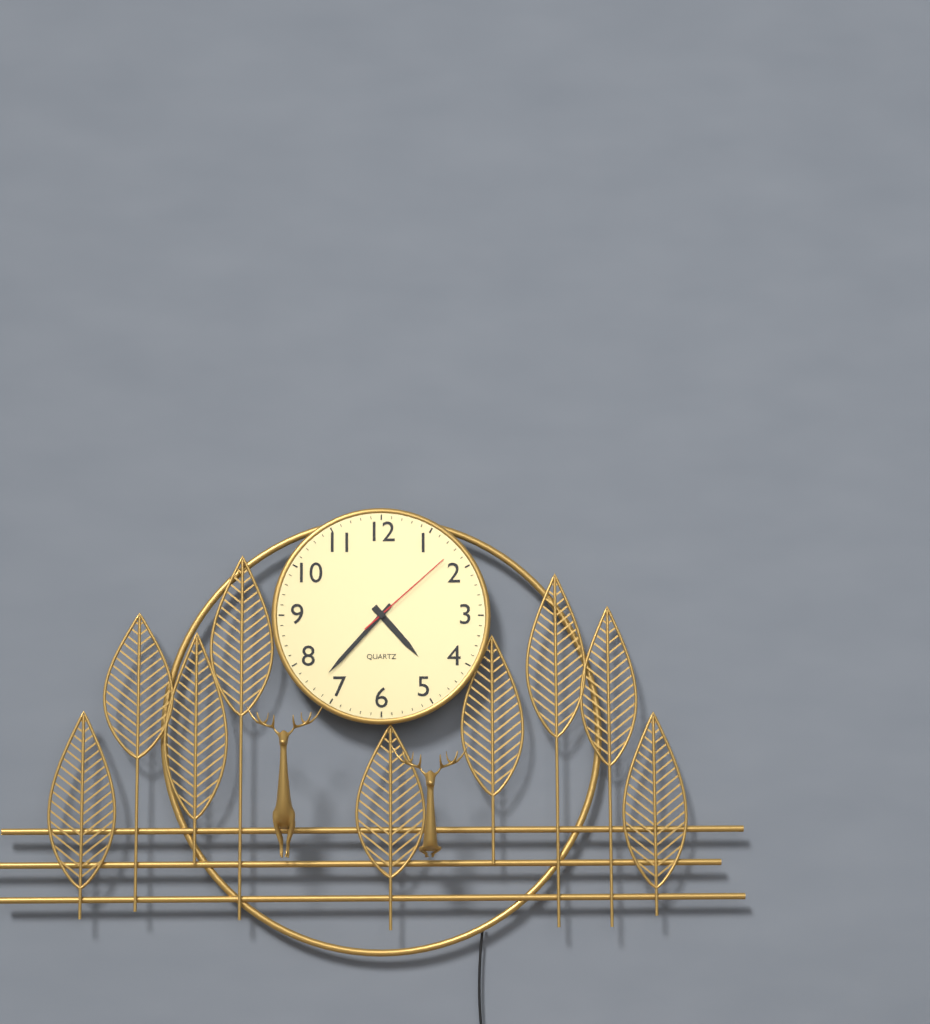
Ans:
h=4 m=37 s=8
